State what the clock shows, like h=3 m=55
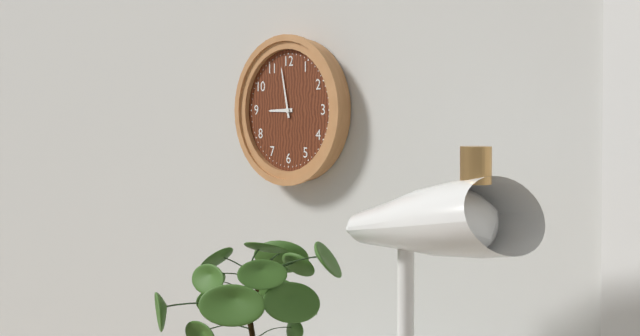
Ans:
h=8 m=58
